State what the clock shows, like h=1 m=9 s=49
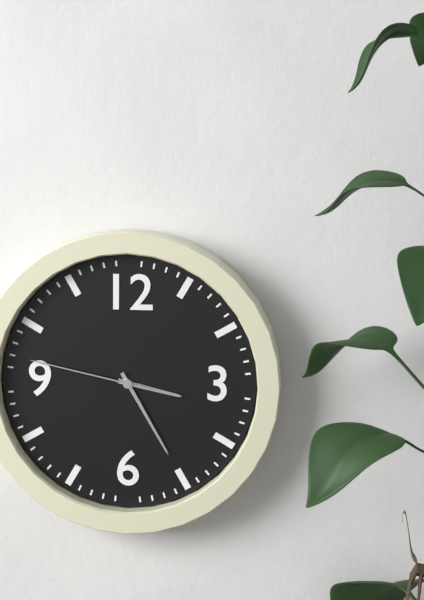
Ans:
h=3 m=25 s=47
